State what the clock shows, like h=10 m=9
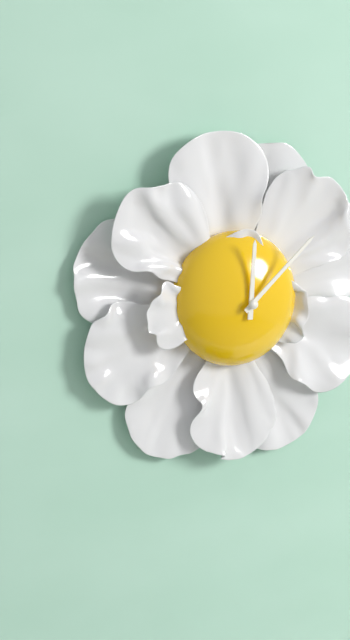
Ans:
h=12 m=8
